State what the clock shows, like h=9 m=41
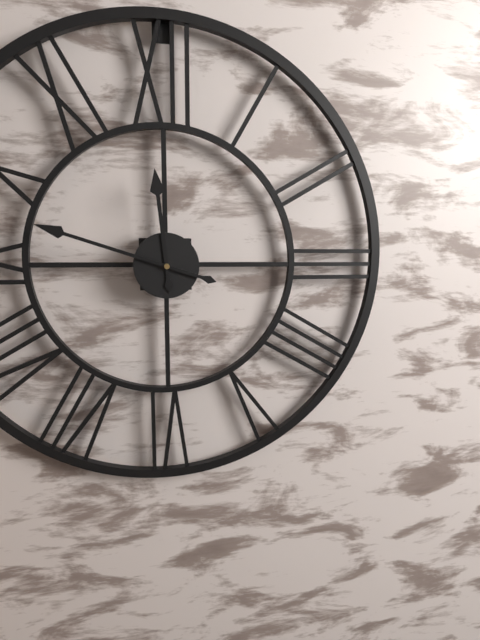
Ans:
h=11 m=48
